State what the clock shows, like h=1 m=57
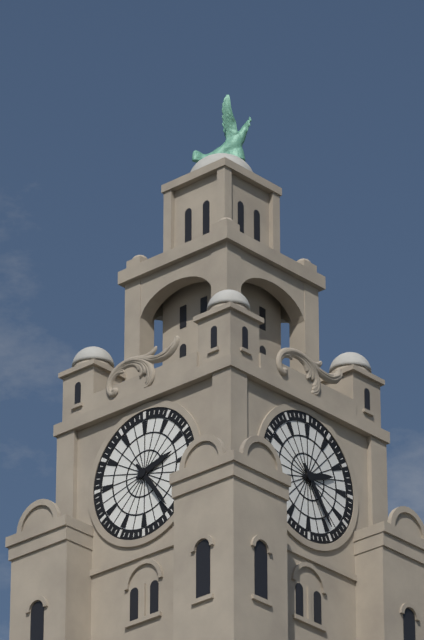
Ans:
h=2 m=24
